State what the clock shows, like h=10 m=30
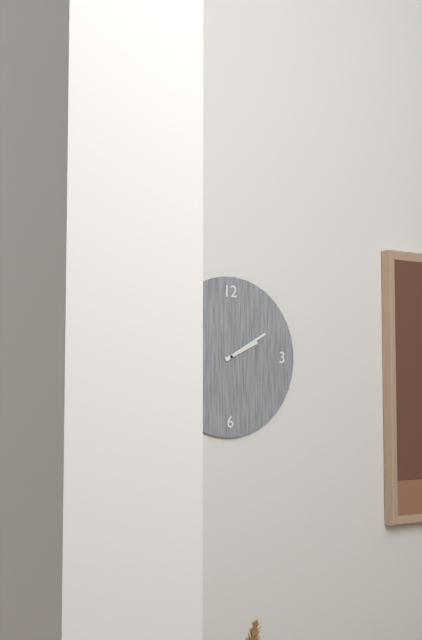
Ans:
h=2 m=10
